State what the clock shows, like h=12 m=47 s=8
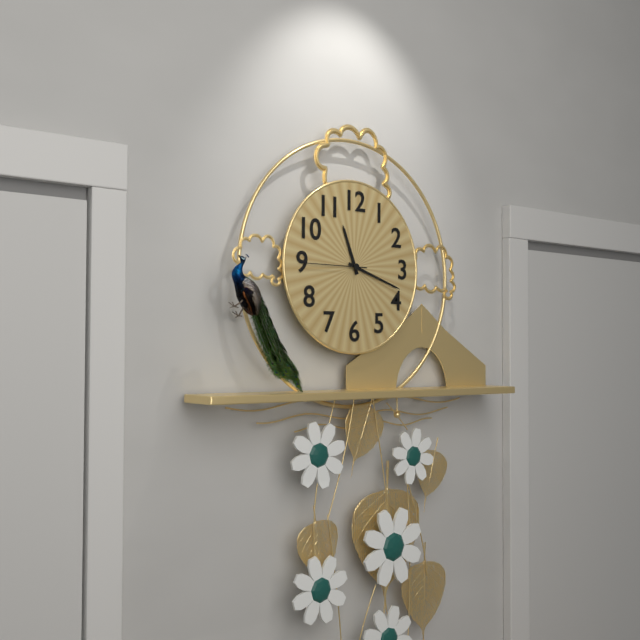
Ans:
h=11 m=18 s=45
